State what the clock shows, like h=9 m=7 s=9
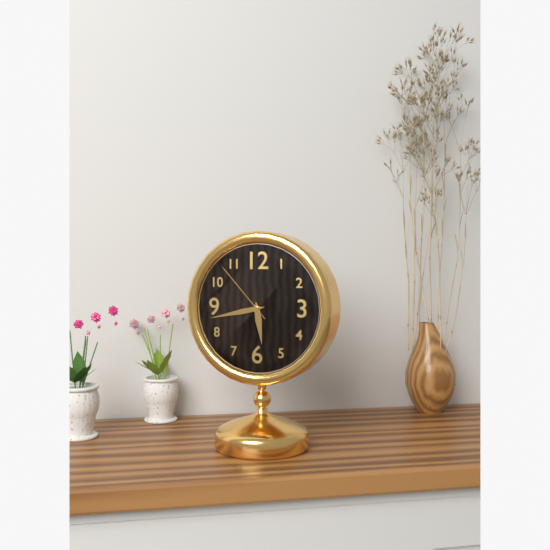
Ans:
h=5 m=43 s=53
